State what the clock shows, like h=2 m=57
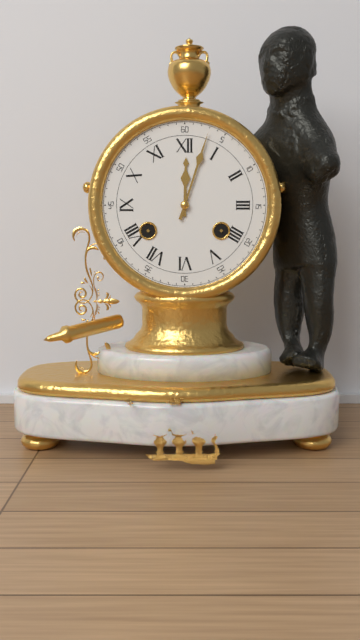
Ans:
h=12 m=3
